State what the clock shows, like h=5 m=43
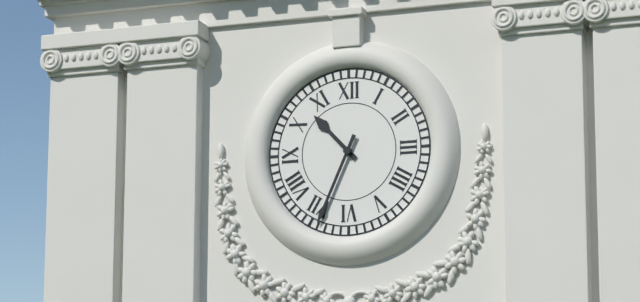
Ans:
h=10 m=34
